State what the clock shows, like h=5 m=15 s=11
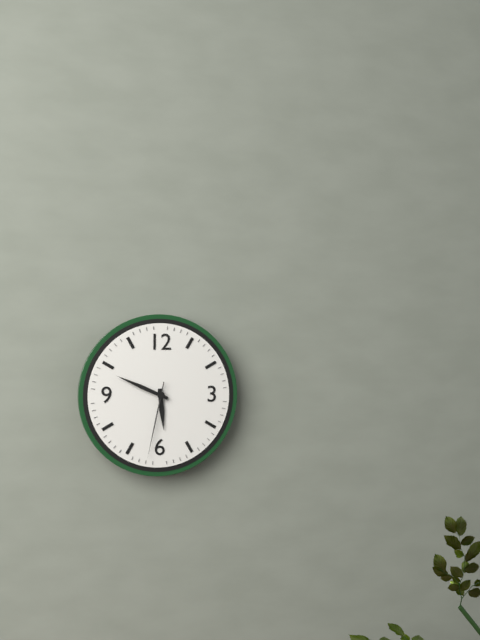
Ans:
h=5 m=49 s=32
